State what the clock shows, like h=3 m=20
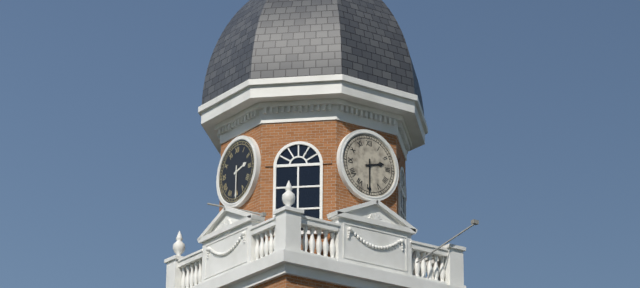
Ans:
h=2 m=30
